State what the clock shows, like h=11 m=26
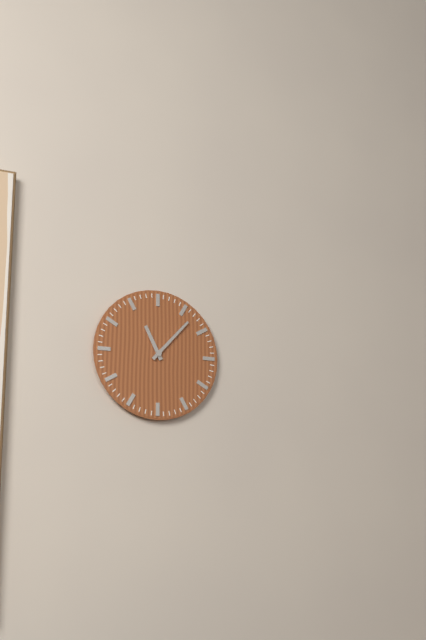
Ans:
h=11 m=7
